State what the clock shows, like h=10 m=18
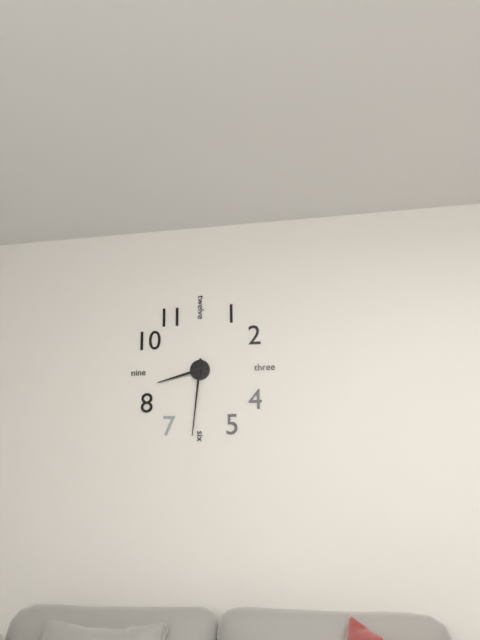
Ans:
h=8 m=31
